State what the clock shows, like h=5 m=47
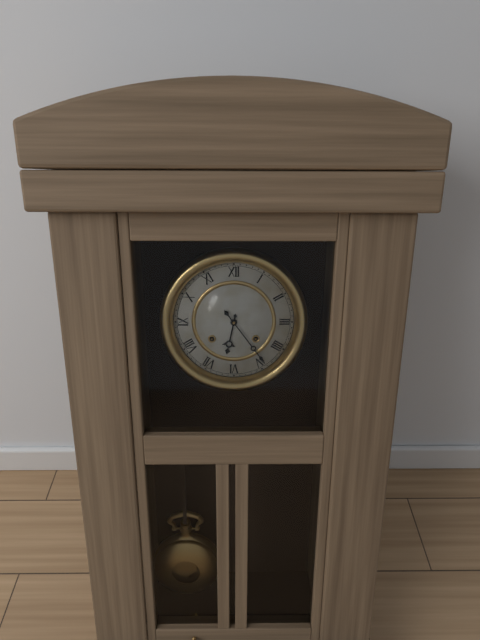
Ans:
h=6 m=24
